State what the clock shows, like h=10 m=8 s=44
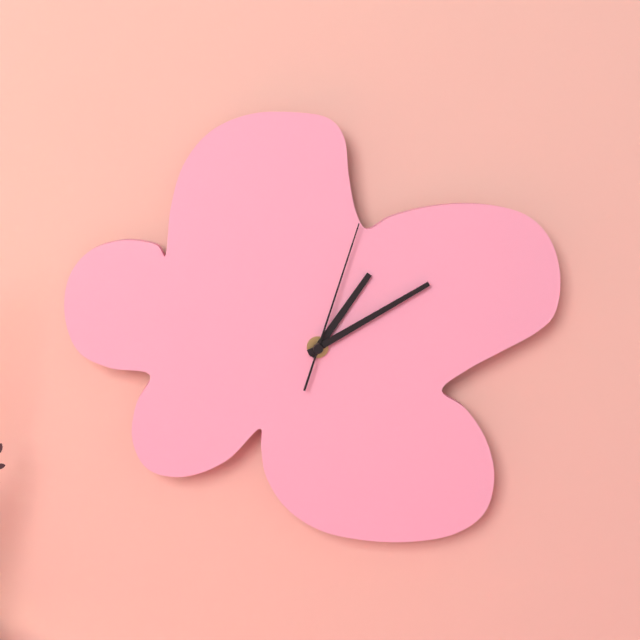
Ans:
h=1 m=10 s=3
